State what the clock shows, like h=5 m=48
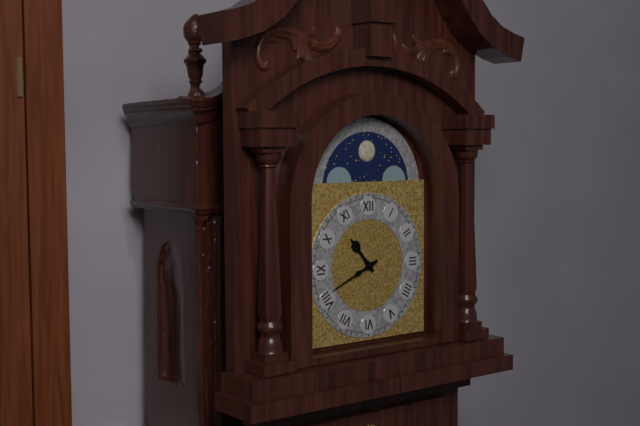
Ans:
h=10 m=41
